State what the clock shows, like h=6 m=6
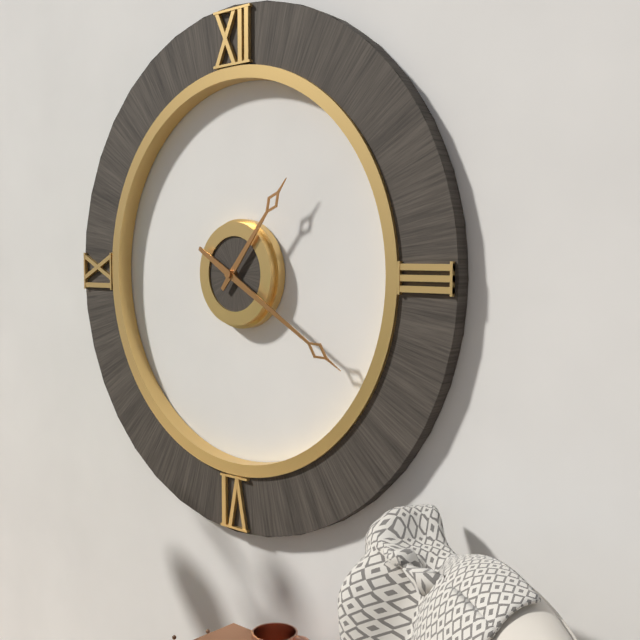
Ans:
h=1 m=20
